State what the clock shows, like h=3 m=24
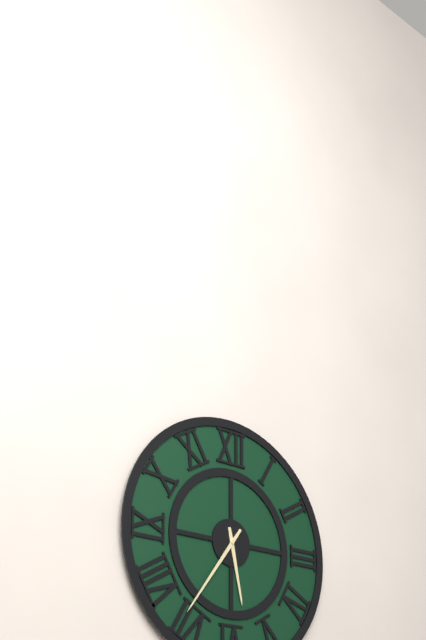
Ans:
h=5 m=36
